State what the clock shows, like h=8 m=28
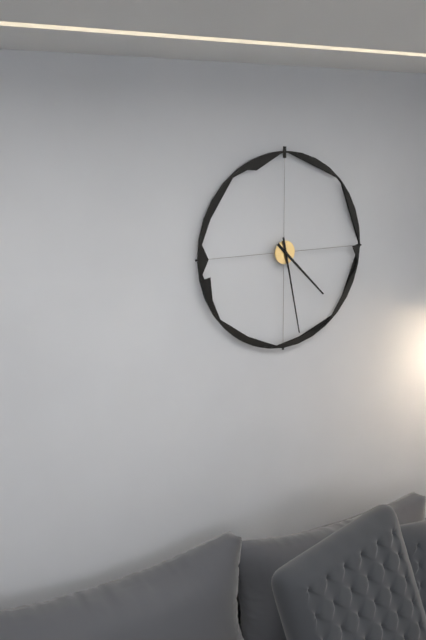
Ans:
h=4 m=28
